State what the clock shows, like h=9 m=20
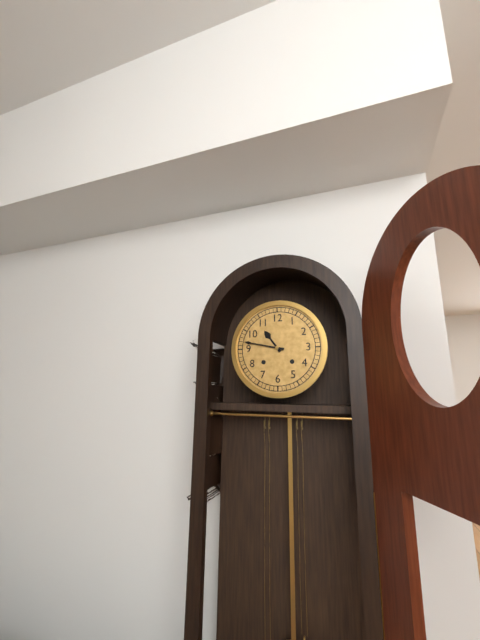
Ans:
h=10 m=47
